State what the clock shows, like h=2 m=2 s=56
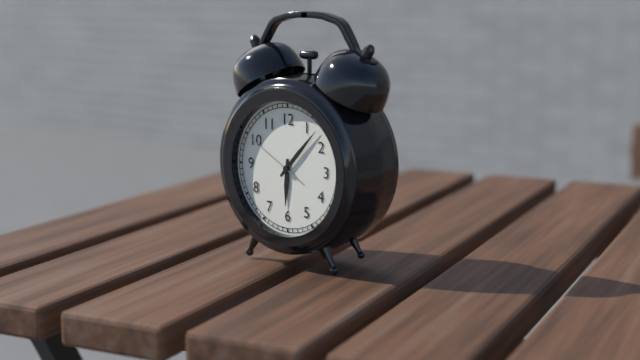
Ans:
h=6 m=7 s=50
